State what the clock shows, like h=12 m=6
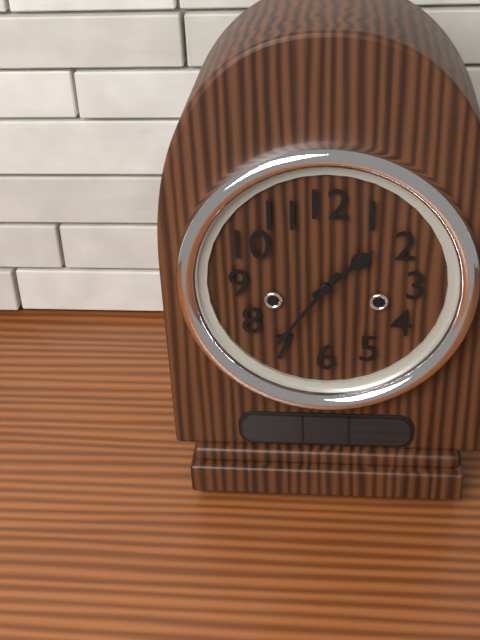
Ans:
h=1 m=36
